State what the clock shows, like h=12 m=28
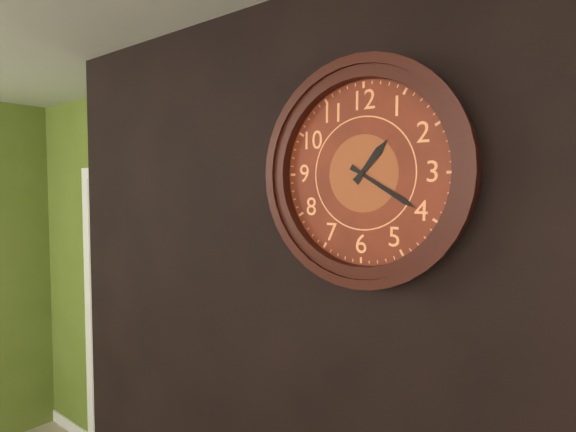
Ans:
h=1 m=20
